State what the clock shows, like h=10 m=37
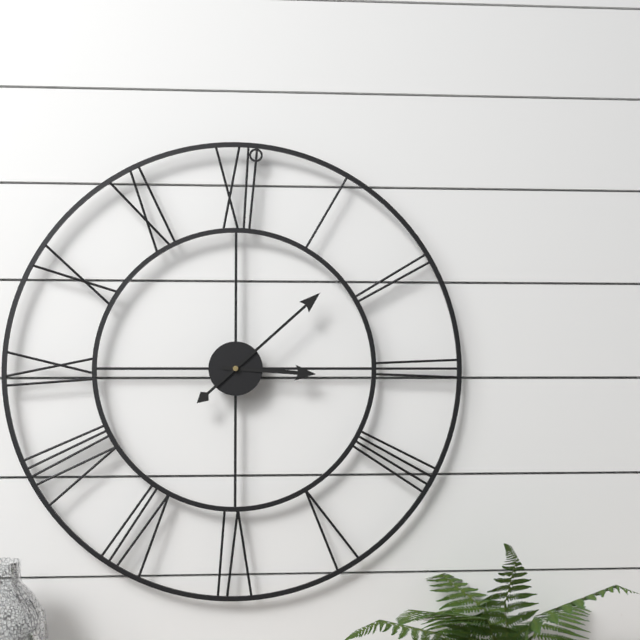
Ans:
h=3 m=8
